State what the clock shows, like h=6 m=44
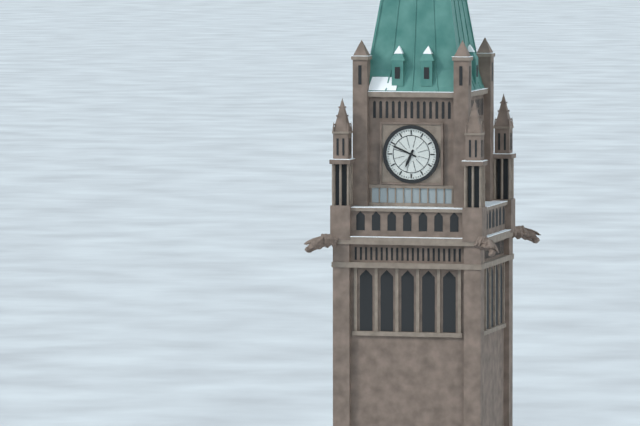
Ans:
h=6 m=49
